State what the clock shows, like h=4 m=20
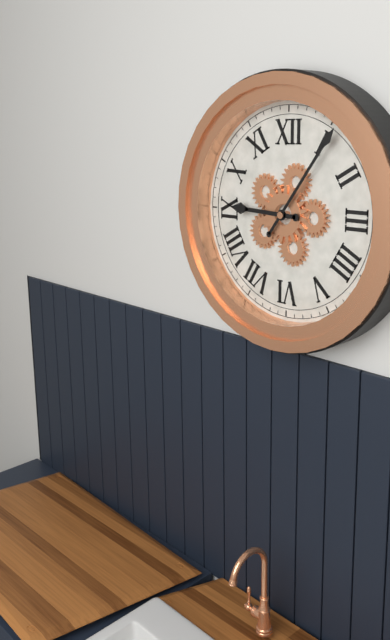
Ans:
h=9 m=6
